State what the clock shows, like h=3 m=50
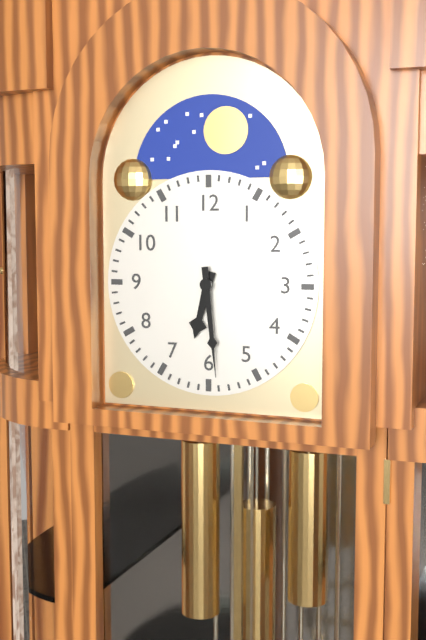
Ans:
h=6 m=29
